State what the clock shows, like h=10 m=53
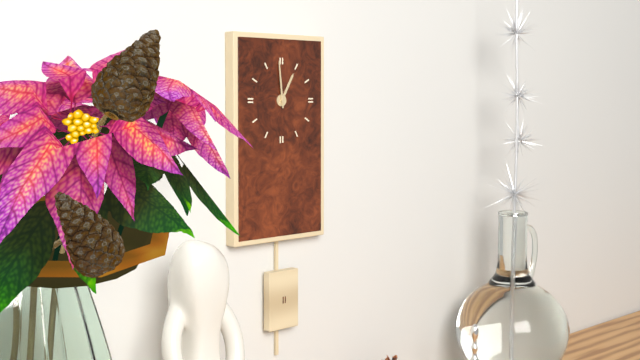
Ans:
h=12 m=59
